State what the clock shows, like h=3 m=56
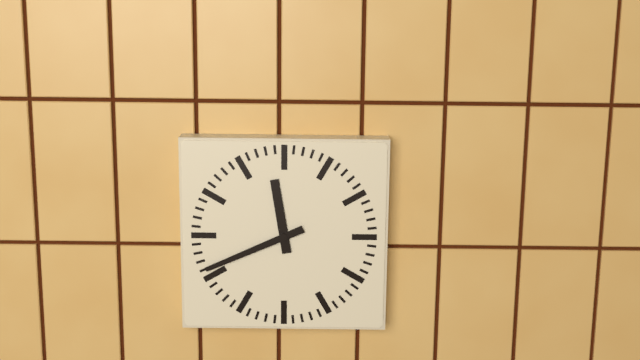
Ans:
h=11 m=41
